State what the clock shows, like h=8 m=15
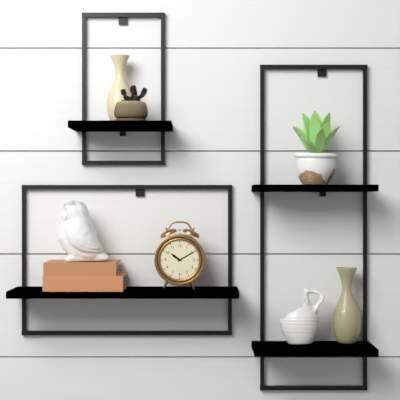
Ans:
h=10 m=10
